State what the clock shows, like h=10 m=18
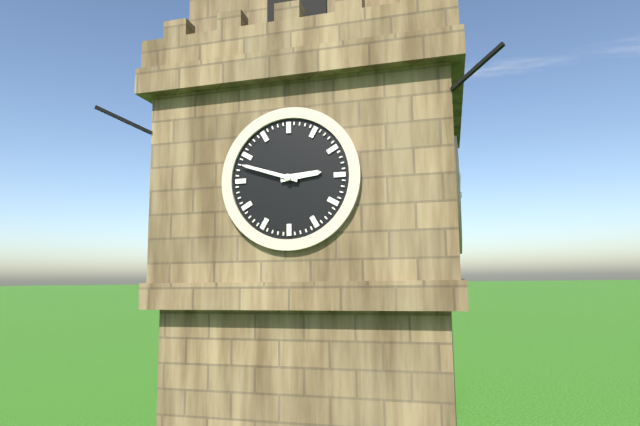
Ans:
h=2 m=48
